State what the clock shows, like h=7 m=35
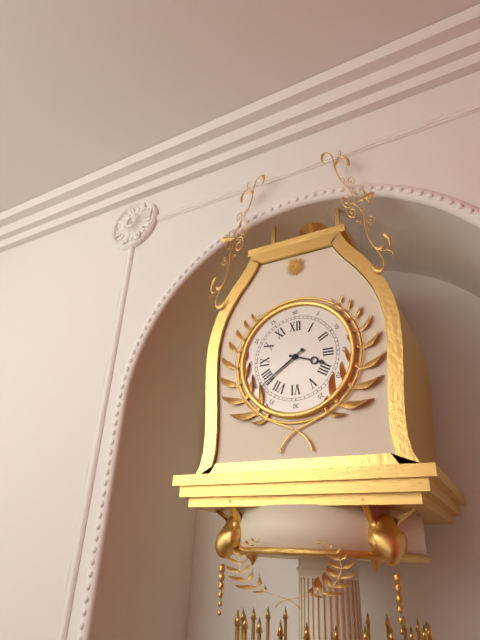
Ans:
h=3 m=39
